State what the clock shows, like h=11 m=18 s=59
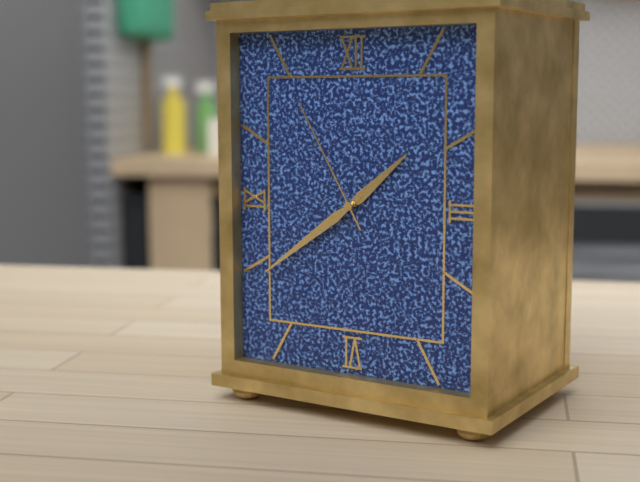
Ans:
h=1 m=39 s=55
